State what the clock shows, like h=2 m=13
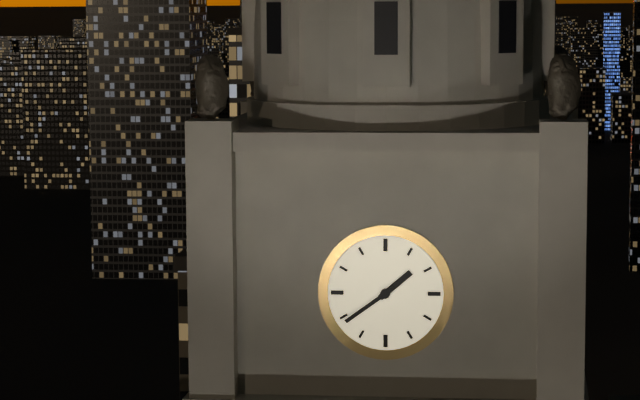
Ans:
h=1 m=39
